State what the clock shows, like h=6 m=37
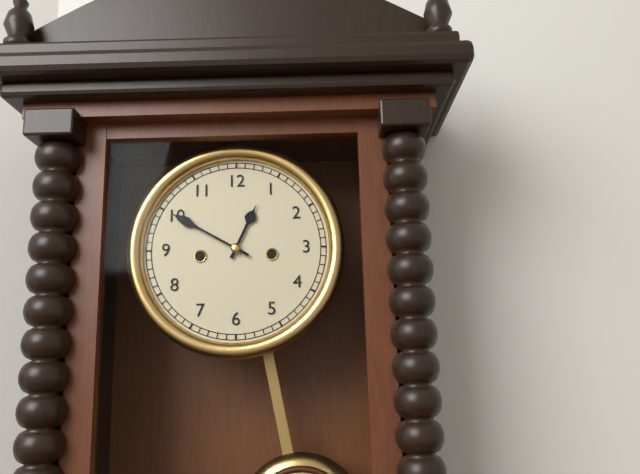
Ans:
h=12 m=50
